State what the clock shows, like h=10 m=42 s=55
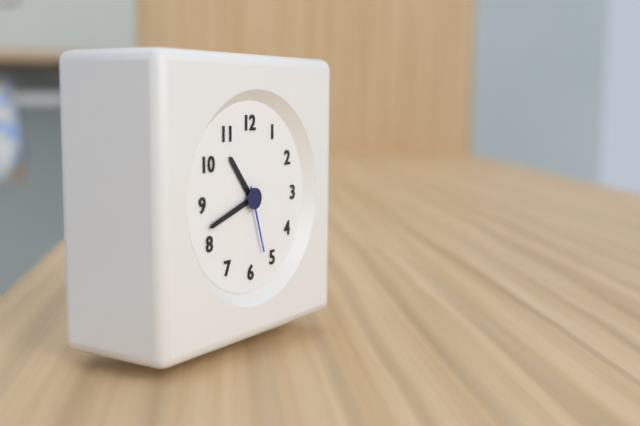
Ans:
h=10 m=42 s=27
